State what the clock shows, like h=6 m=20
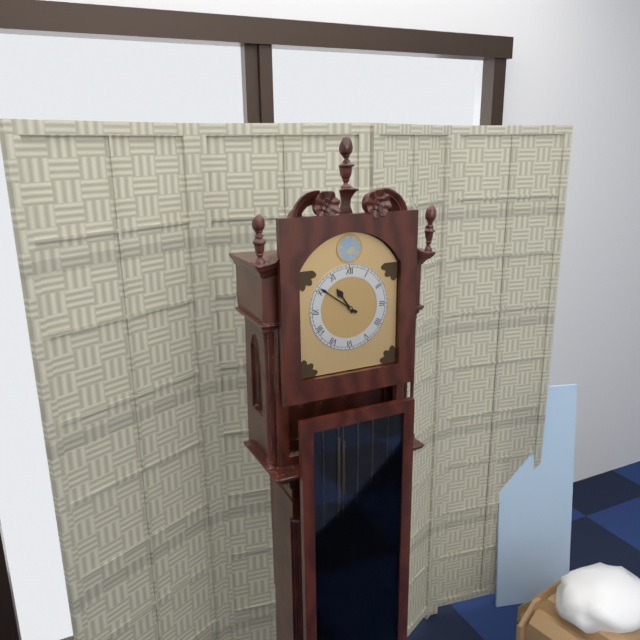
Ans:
h=10 m=51
